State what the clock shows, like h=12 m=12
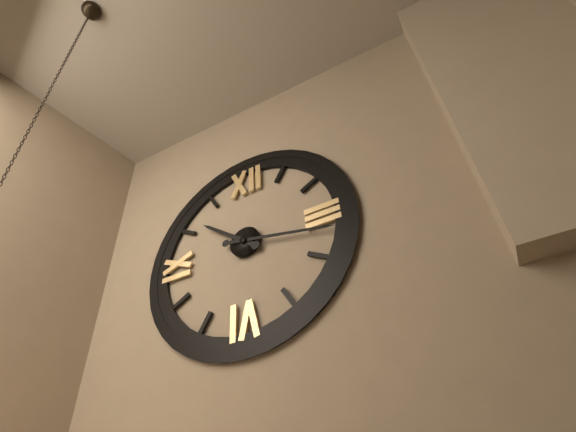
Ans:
h=10 m=17
